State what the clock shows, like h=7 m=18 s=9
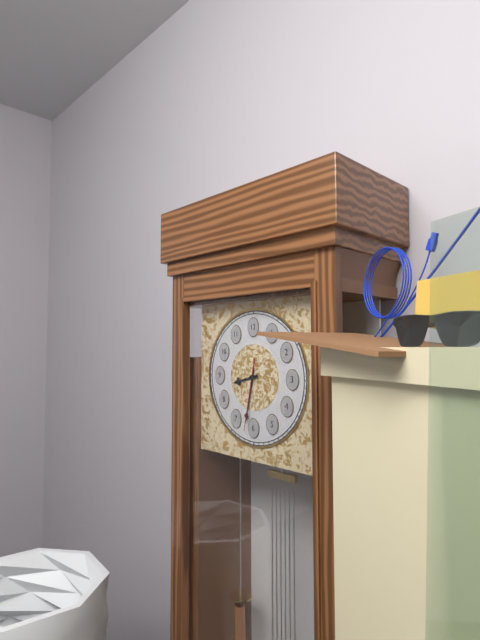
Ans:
h=8 m=32 s=32
